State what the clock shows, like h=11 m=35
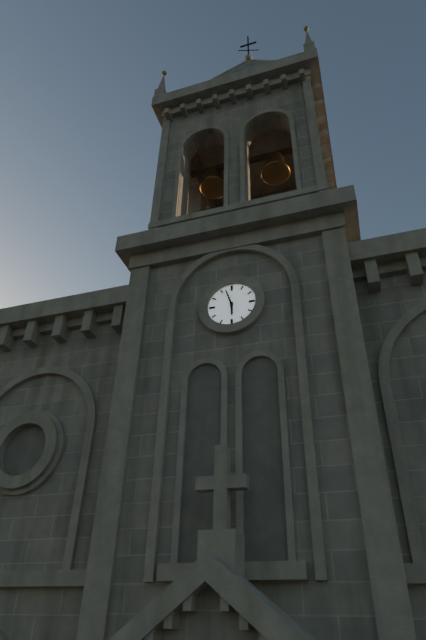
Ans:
h=5 m=57
